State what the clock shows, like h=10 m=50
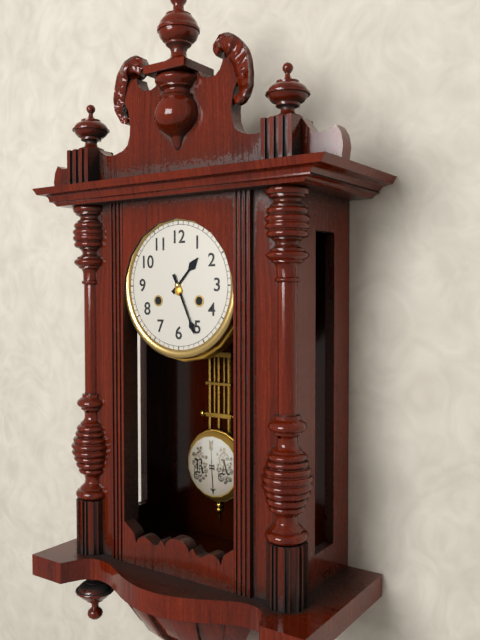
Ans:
h=1 m=26
